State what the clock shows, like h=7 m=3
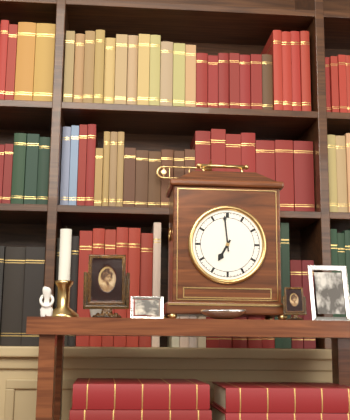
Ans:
h=6 m=59
